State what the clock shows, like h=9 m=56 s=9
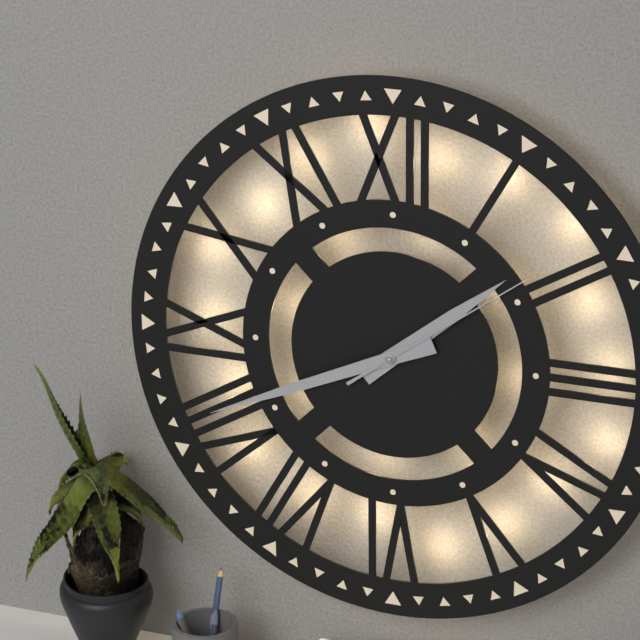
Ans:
h=1 m=41 s=9
